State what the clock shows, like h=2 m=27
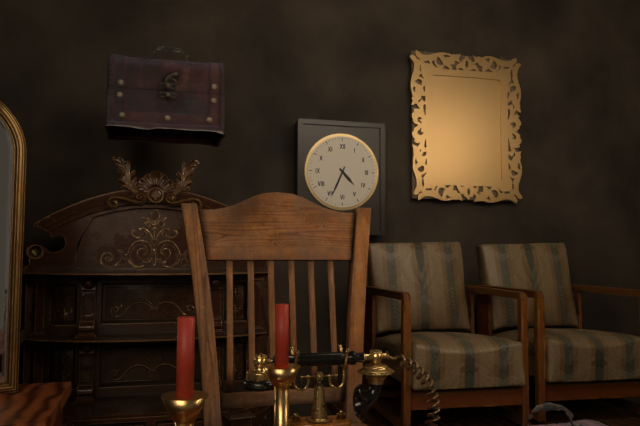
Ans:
h=4 m=34
